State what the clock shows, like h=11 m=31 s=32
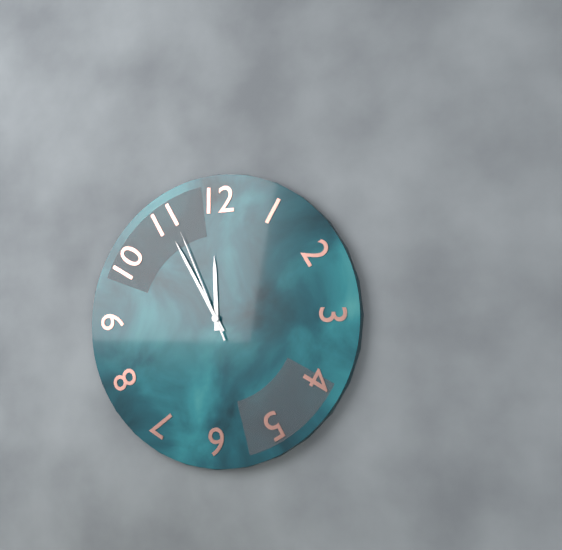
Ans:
h=11 m=55 s=56
